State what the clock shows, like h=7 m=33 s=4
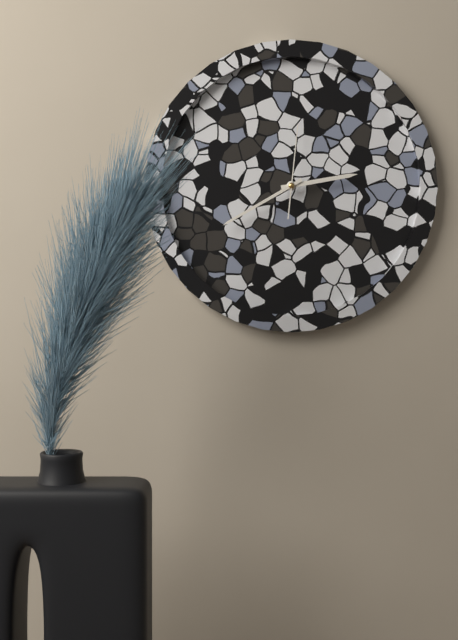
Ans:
h=2 m=40 s=1
